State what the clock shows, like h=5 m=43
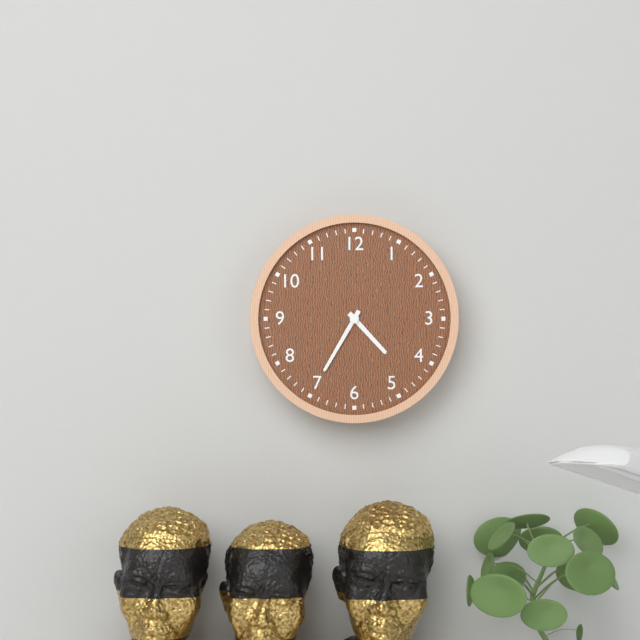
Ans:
h=4 m=35
